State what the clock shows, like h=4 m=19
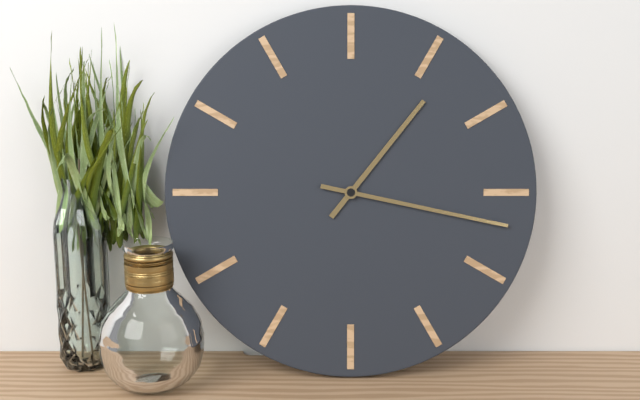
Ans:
h=1 m=17
